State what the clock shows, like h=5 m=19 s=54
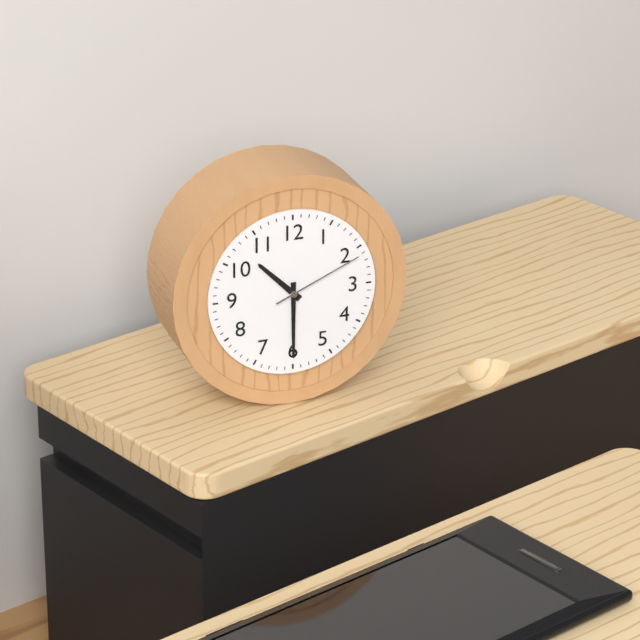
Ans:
h=10 m=30 s=11
